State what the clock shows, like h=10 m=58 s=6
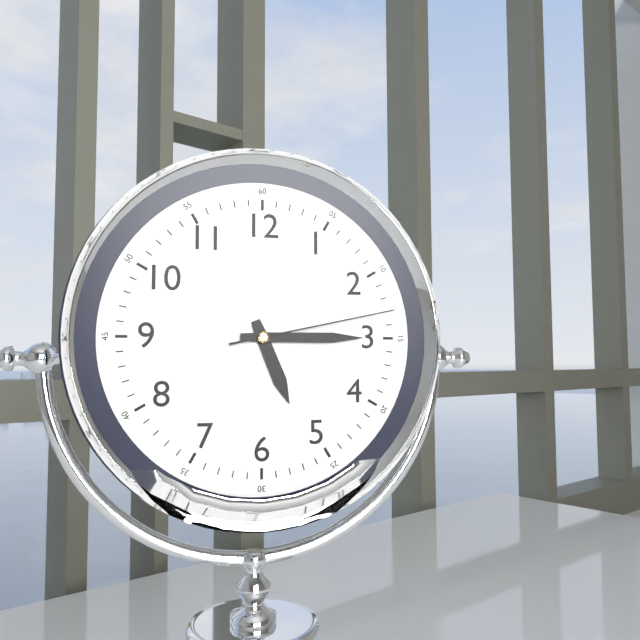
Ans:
h=5 m=15 s=13
